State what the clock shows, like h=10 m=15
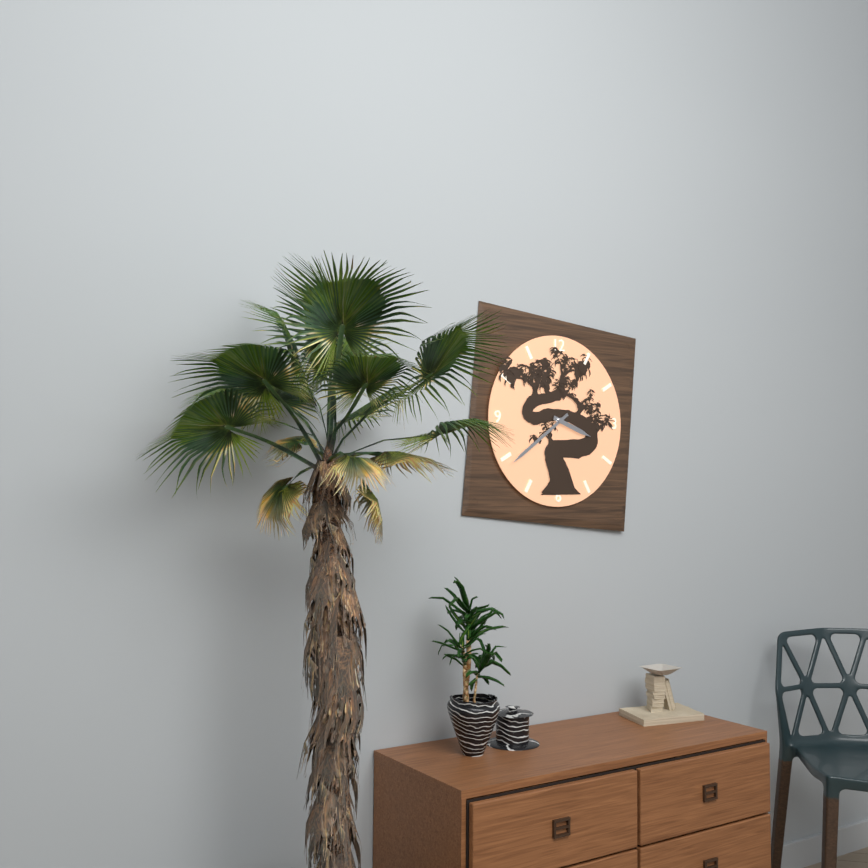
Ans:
h=3 m=39
